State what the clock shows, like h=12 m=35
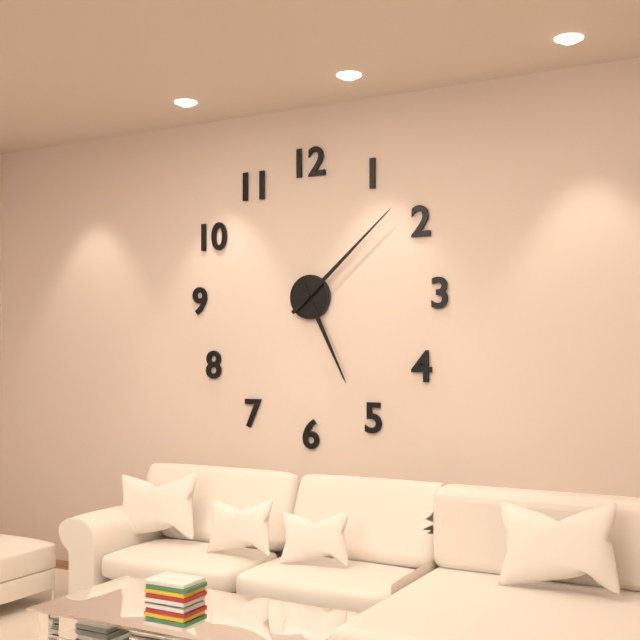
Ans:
h=5 m=8
